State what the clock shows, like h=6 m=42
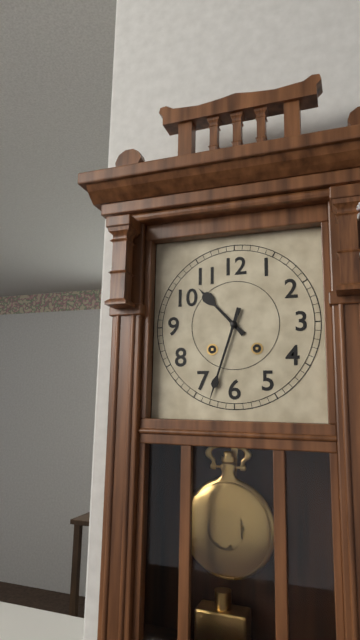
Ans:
h=10 m=33
